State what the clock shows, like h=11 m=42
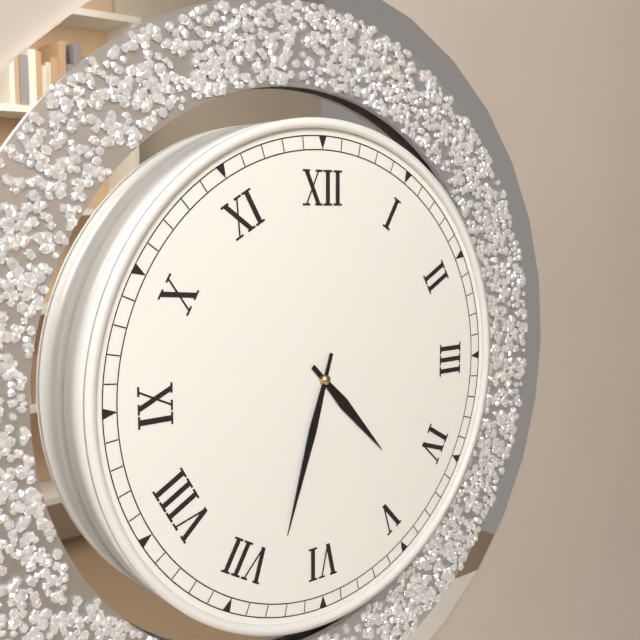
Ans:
h=4 m=33
